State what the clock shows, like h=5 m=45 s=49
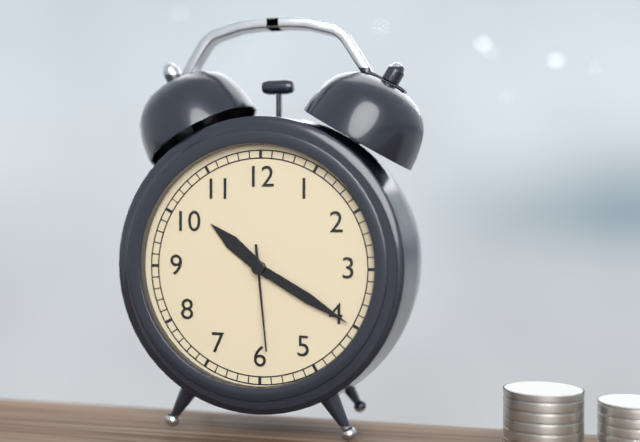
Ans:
h=10 m=20 s=29
